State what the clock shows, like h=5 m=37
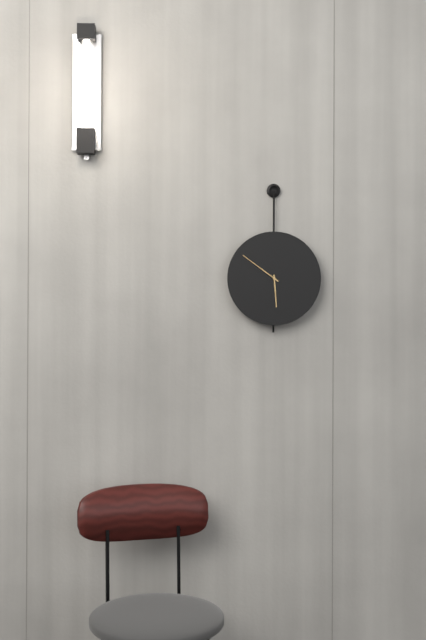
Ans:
h=5 m=51
